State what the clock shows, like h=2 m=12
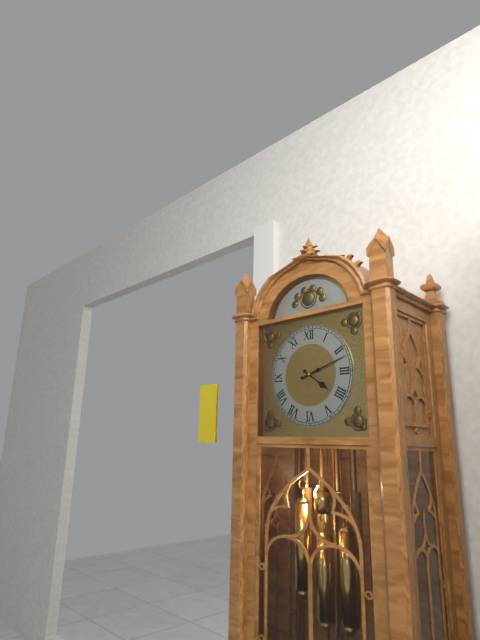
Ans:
h=4 m=12
